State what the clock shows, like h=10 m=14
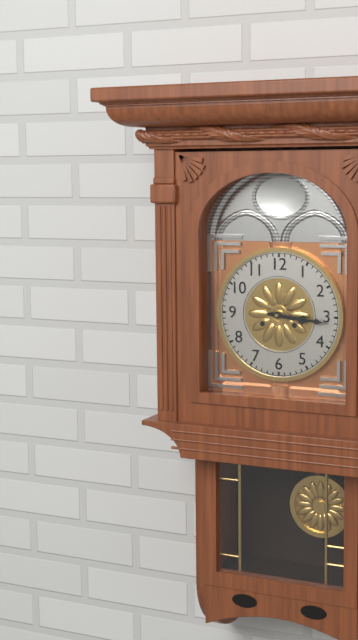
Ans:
h=3 m=16
